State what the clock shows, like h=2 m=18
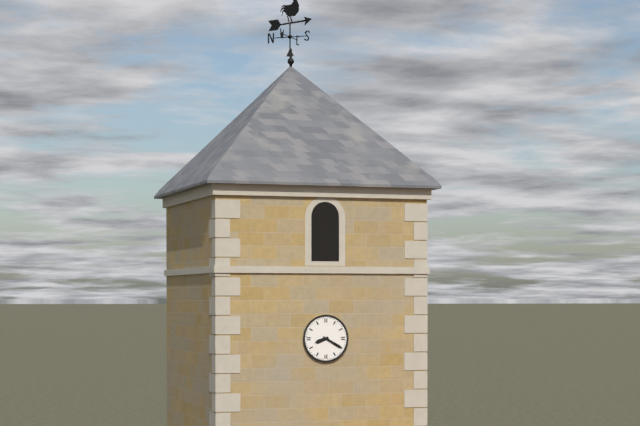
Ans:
h=8 m=20
